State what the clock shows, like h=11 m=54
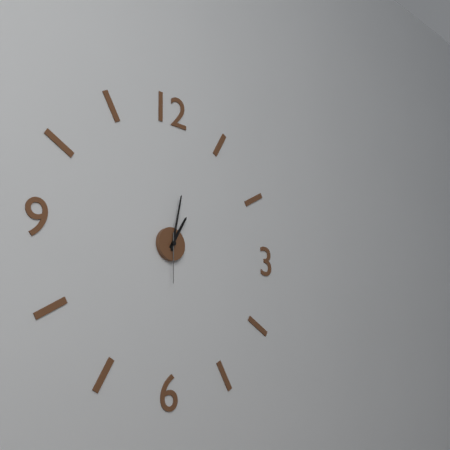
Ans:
h=1 m=2
